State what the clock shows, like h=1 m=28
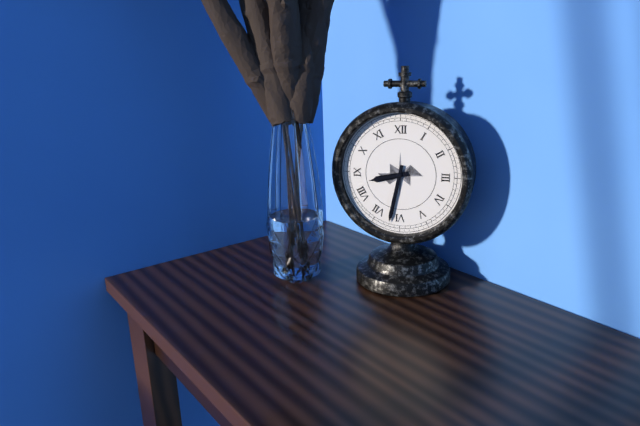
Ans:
h=8 m=32
